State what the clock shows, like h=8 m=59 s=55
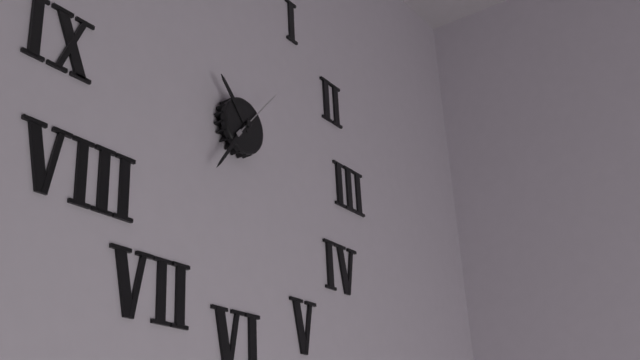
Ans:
h=10 m=36 s=7
